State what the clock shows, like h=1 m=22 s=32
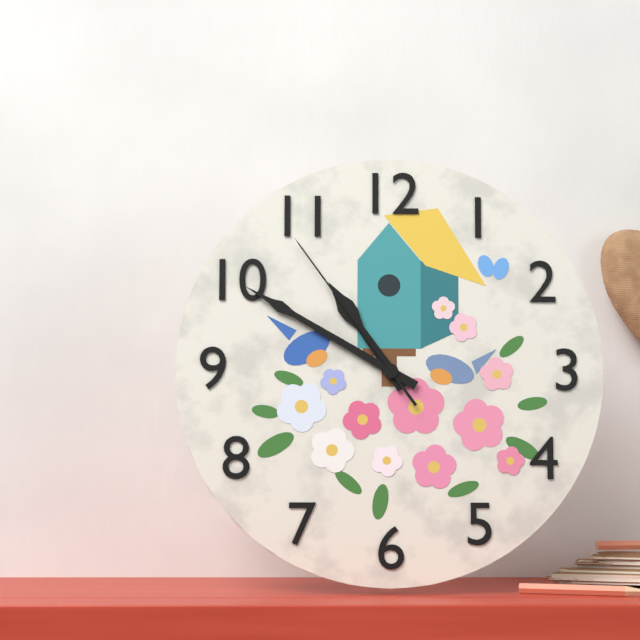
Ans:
h=10 m=50 s=54
